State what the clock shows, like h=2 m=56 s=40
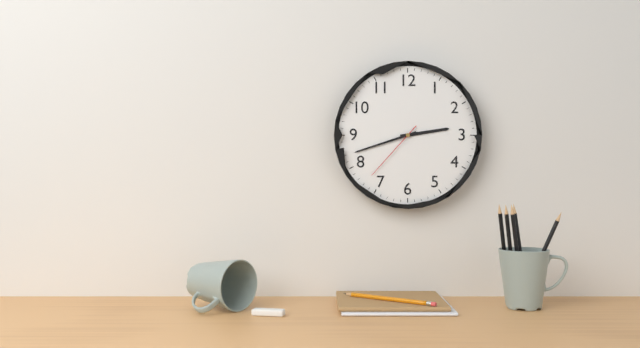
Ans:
h=2 m=42 s=37
